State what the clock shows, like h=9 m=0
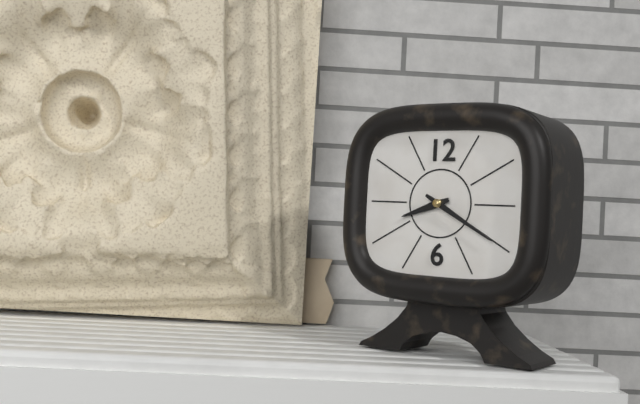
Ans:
h=8 m=20
